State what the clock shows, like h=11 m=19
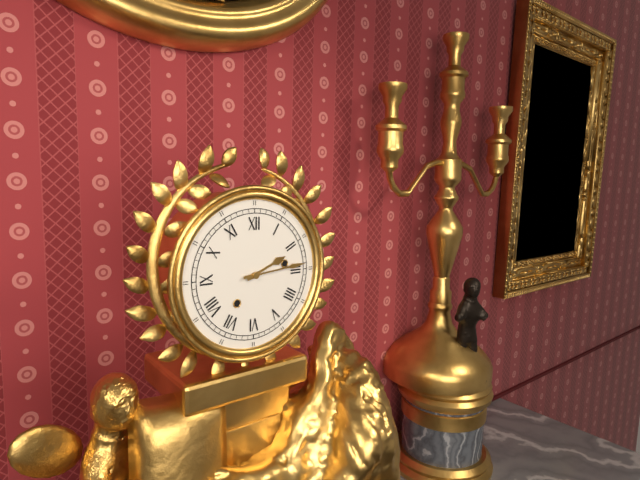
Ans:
h=2 m=14
